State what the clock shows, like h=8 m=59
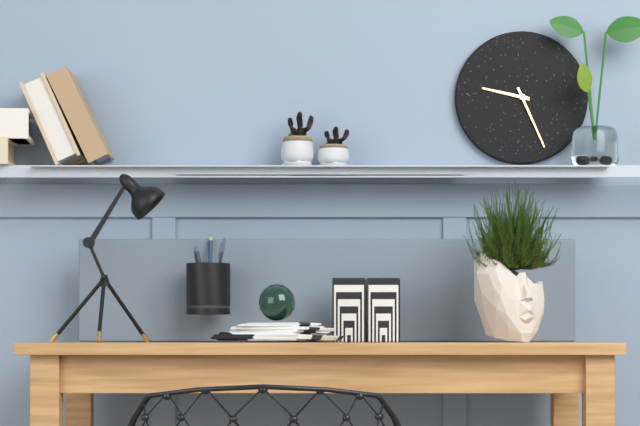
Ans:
h=9 m=26
